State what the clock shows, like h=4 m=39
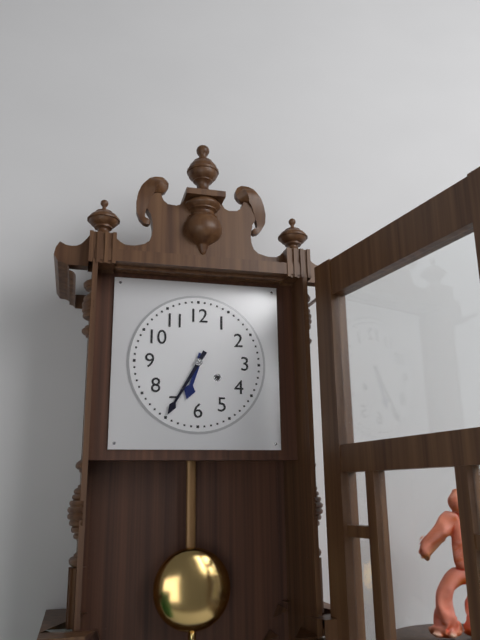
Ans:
h=6 m=35
